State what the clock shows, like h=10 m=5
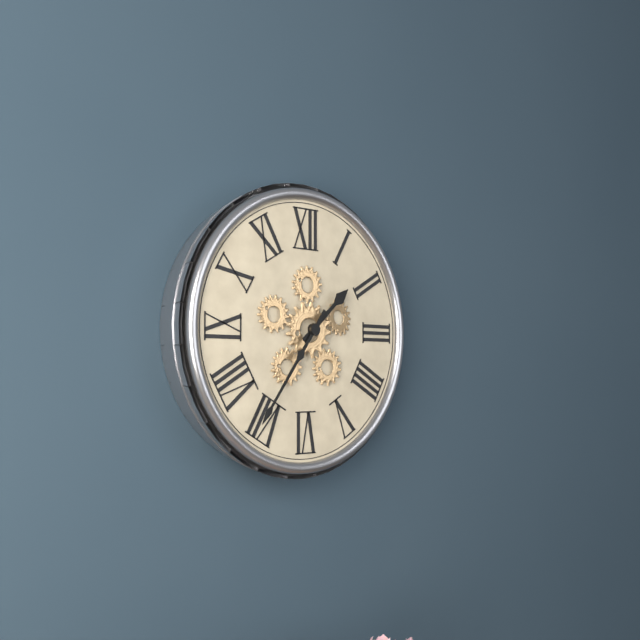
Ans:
h=1 m=36
